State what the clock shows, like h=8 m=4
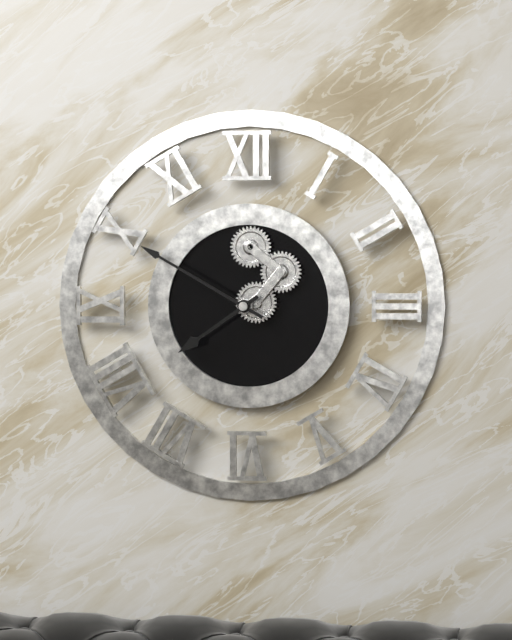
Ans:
h=7 m=50
